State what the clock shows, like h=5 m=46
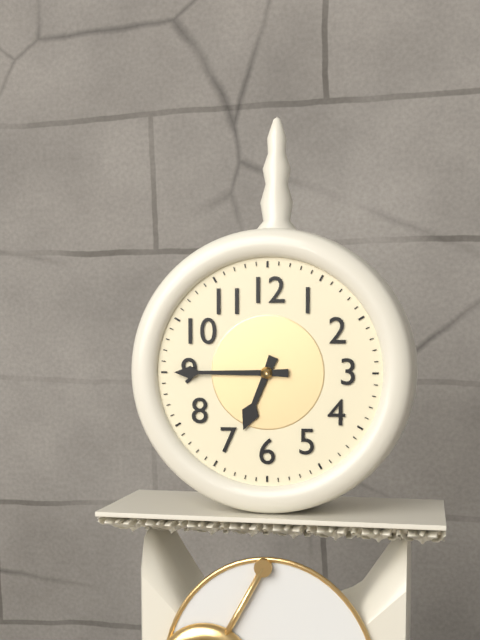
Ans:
h=6 m=45
